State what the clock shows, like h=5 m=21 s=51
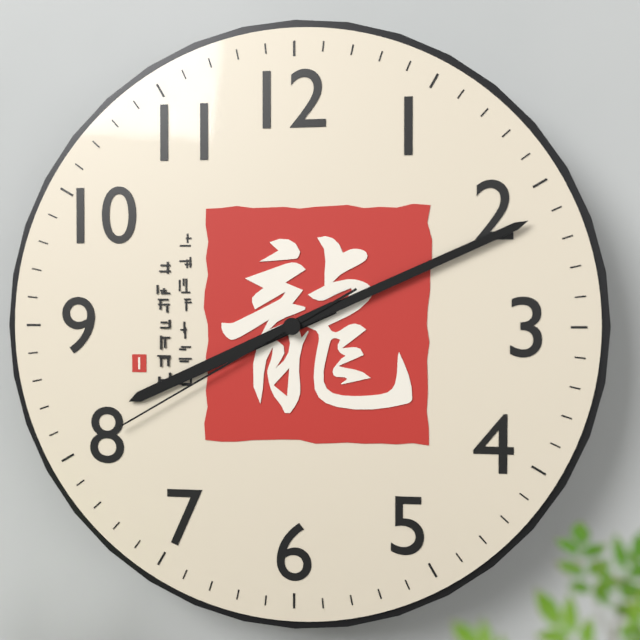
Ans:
h=8 m=11 s=40
